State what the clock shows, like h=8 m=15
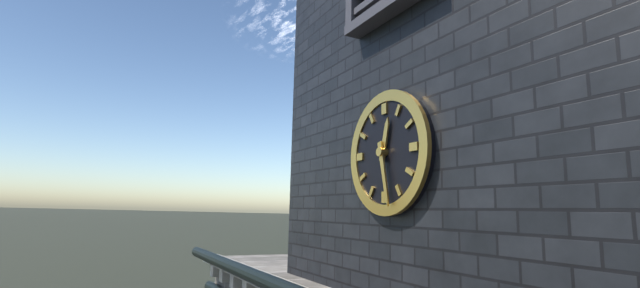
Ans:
h=12 m=28
